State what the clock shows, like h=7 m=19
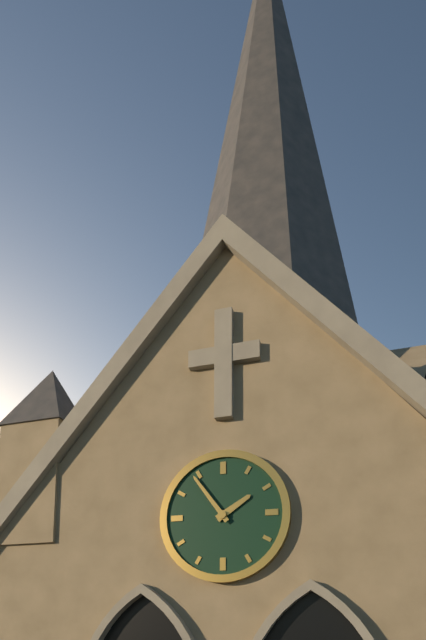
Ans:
h=1 m=54
